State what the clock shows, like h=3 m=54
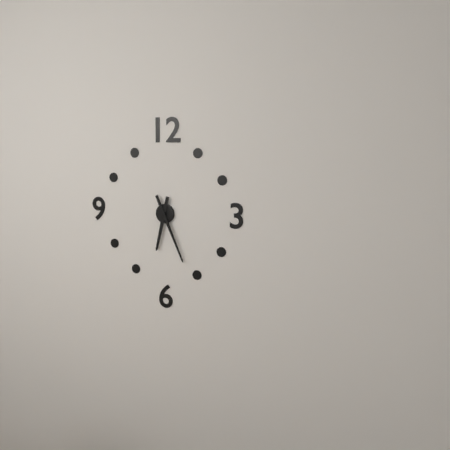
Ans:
h=6 m=26
